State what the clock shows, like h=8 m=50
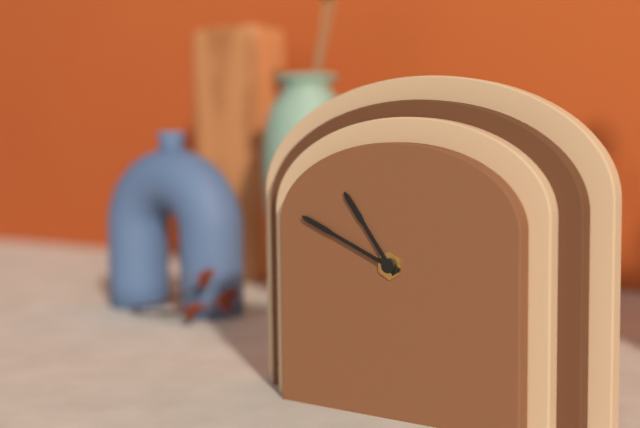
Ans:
h=10 m=49
